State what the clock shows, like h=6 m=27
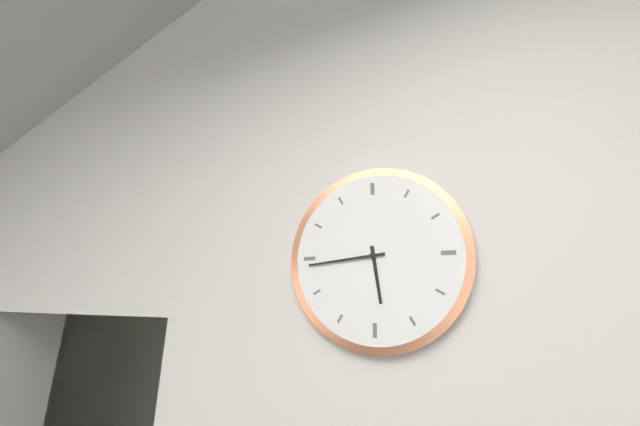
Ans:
h=5 m=44
